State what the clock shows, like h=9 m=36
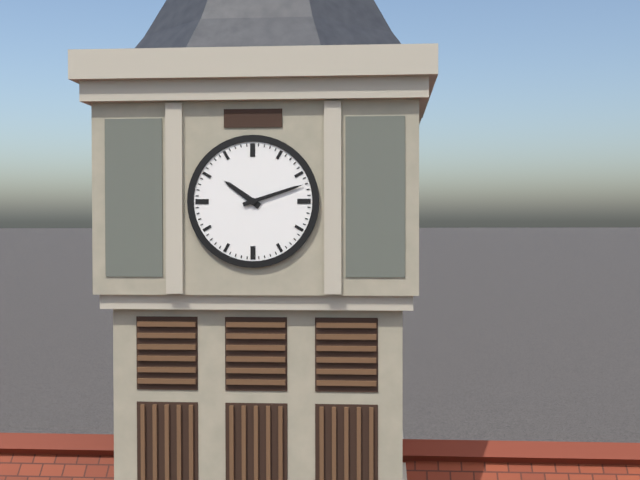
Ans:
h=10 m=12
